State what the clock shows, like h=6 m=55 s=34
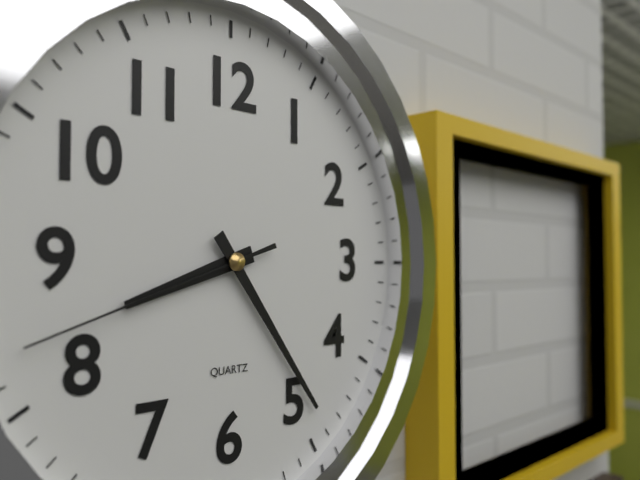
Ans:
h=8 m=24 s=42
